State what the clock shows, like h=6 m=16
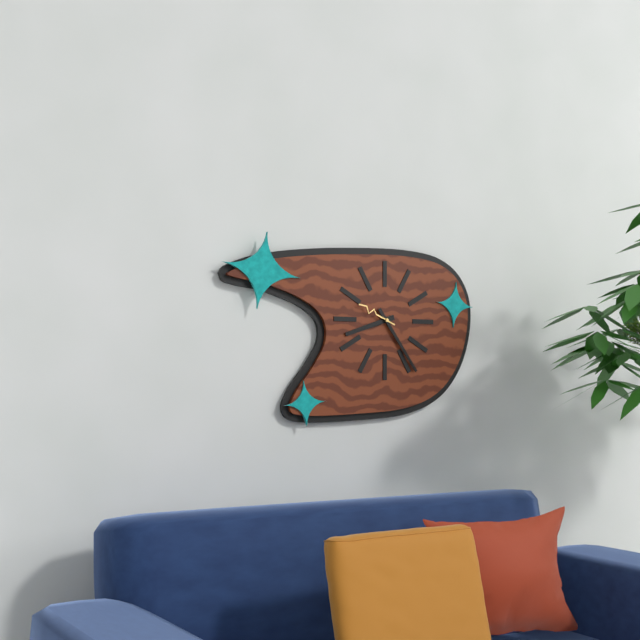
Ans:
h=8 m=24
